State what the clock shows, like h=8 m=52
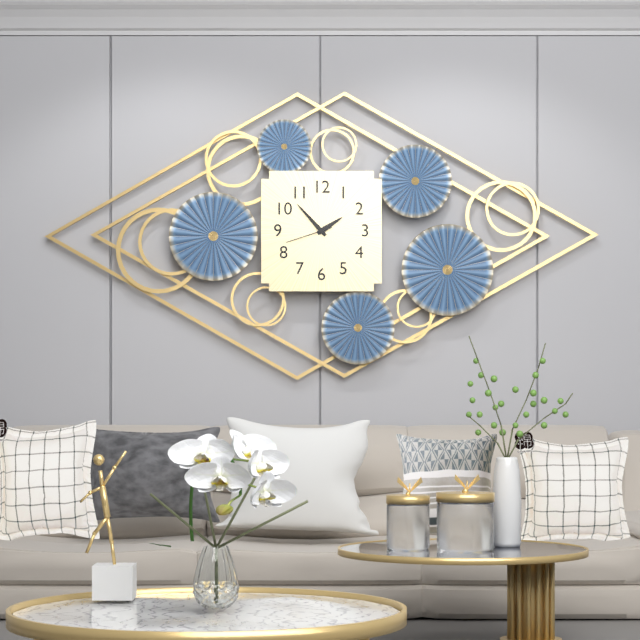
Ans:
h=1 m=53
